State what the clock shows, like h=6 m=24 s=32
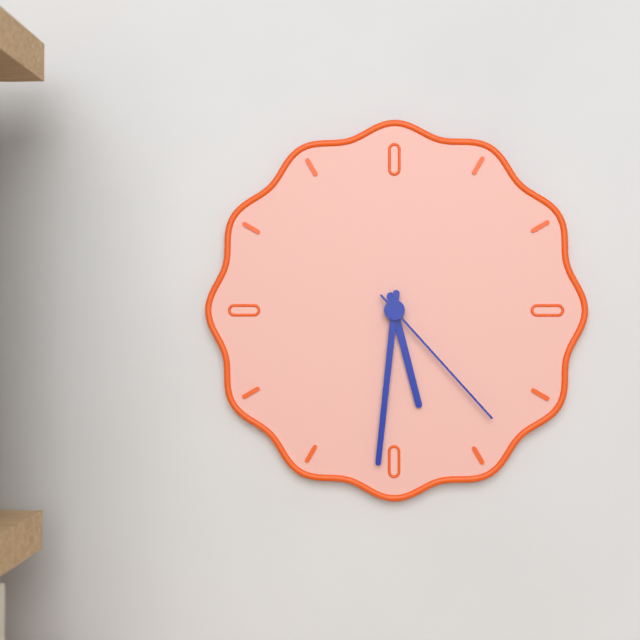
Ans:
h=5 m=31 s=23
